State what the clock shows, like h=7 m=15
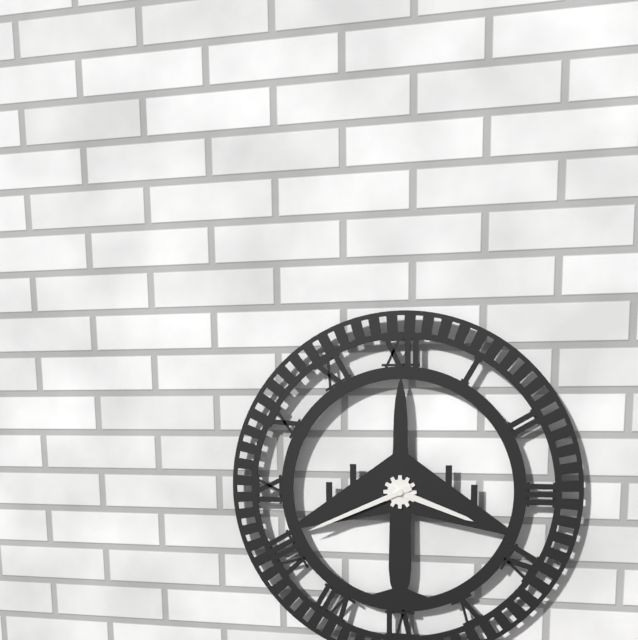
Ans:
h=3 m=41
